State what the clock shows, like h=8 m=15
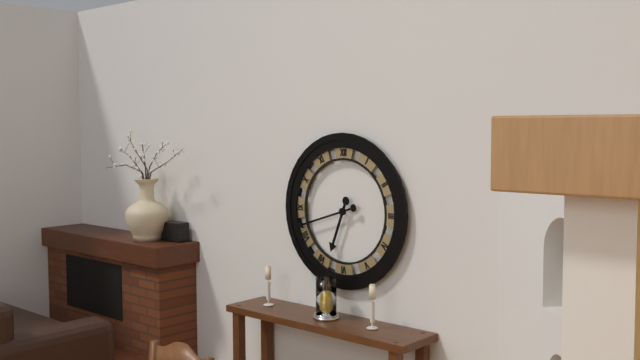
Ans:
h=6 m=42
